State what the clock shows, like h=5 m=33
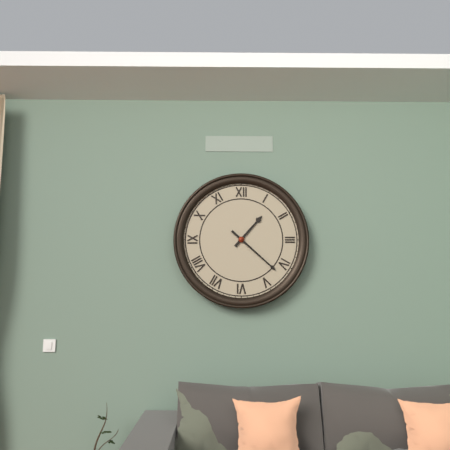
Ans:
h=1 m=22
